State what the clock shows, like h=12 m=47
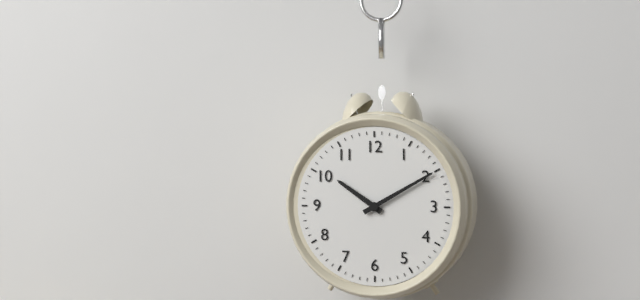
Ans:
h=10 m=10
